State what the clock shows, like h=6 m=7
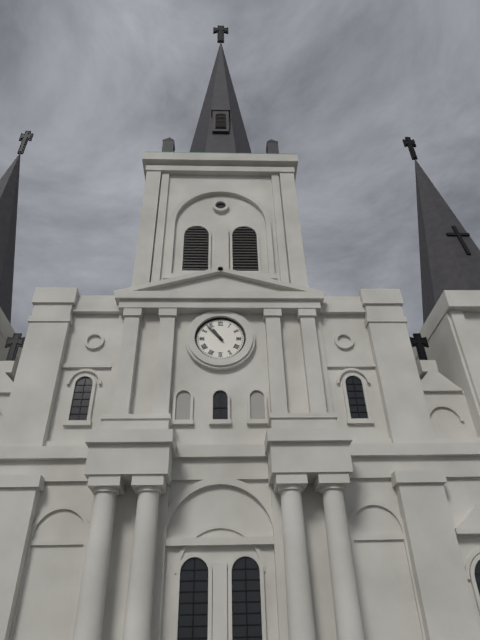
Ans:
h=10 m=53
